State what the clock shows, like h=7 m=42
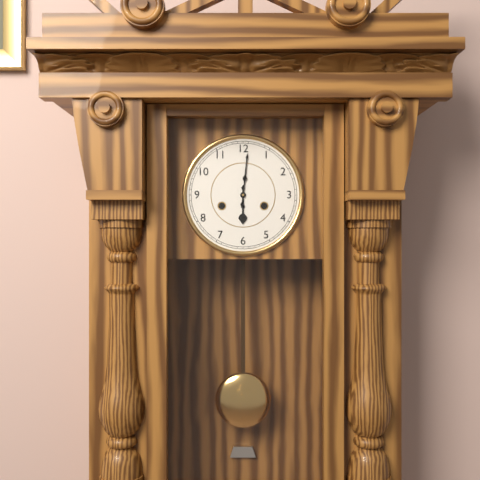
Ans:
h=6 m=1
